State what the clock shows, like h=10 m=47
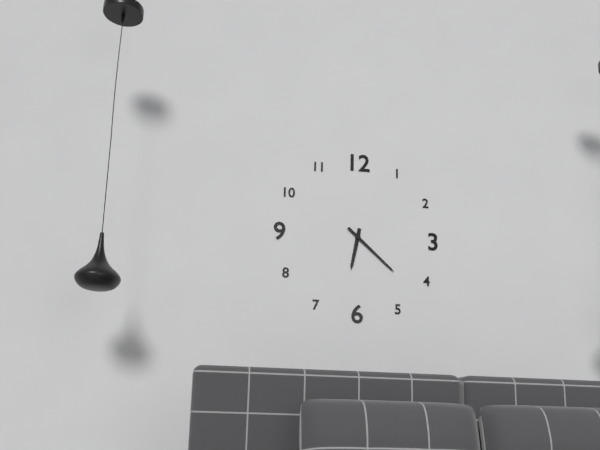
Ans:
h=6 m=22
